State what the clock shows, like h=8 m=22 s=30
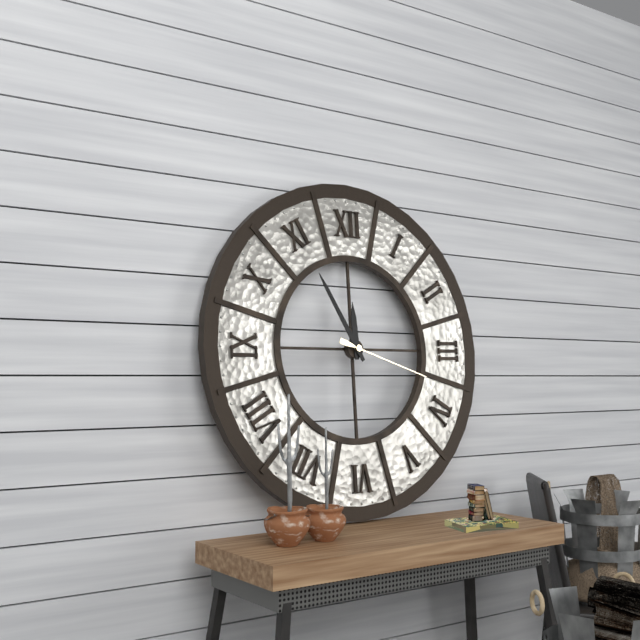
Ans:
h=11 m=55 s=18
